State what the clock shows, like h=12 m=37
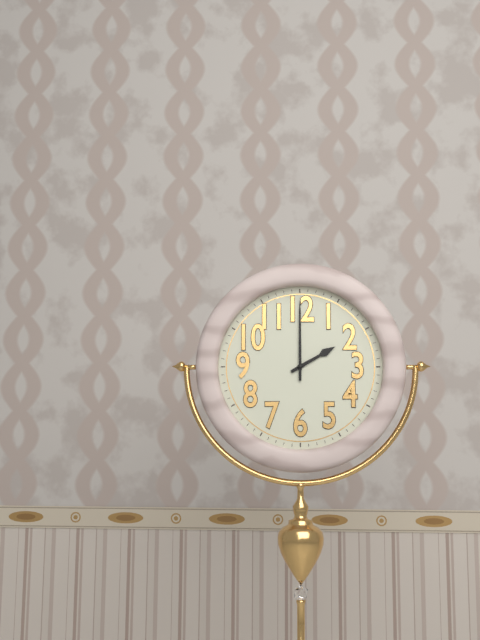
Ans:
h=2 m=0
